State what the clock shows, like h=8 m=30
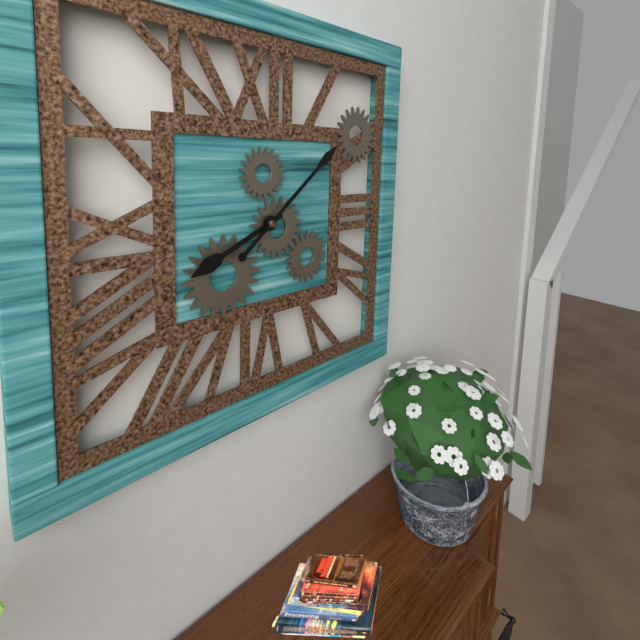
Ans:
h=8 m=8
